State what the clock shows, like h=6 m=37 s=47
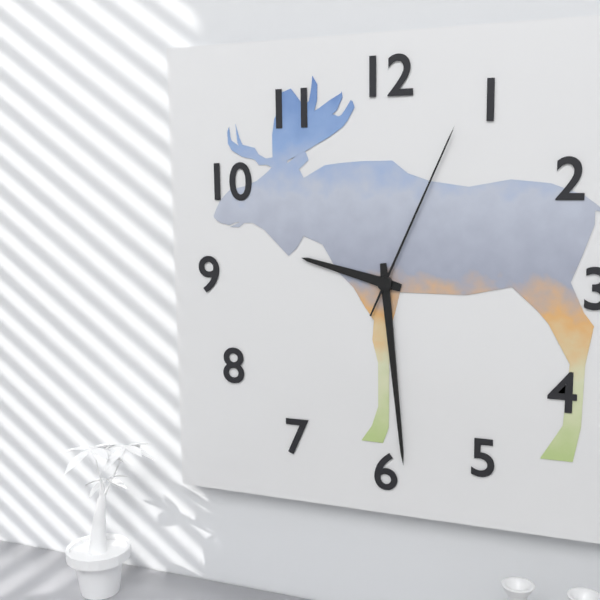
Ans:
h=9 m=29 s=4
